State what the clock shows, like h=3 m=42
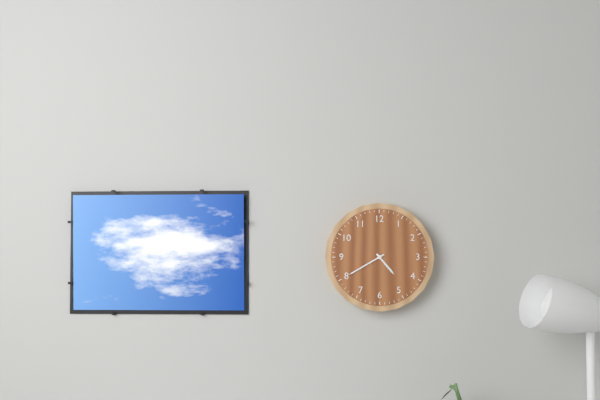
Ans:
h=4 m=40
